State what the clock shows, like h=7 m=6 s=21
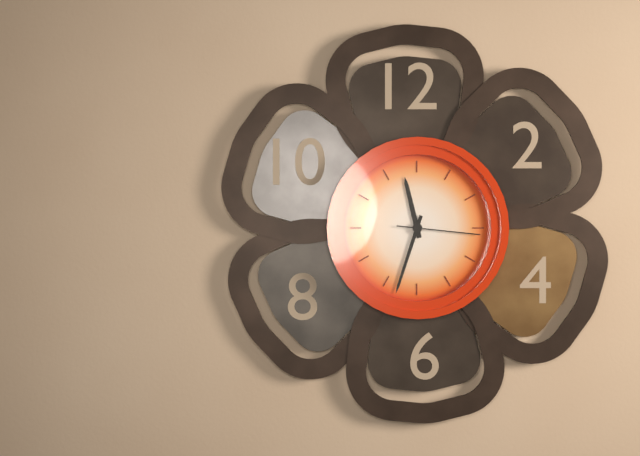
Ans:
h=11 m=33 s=16
